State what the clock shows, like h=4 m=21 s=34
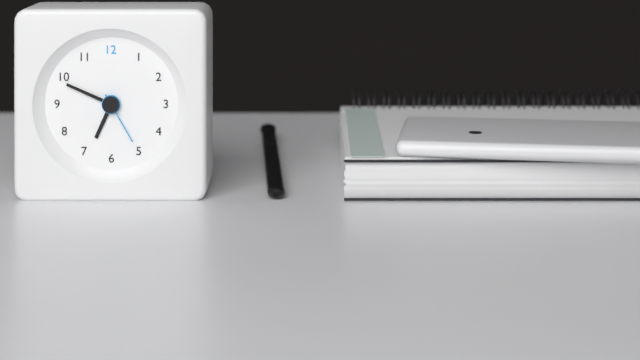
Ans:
h=6 m=49 s=25
